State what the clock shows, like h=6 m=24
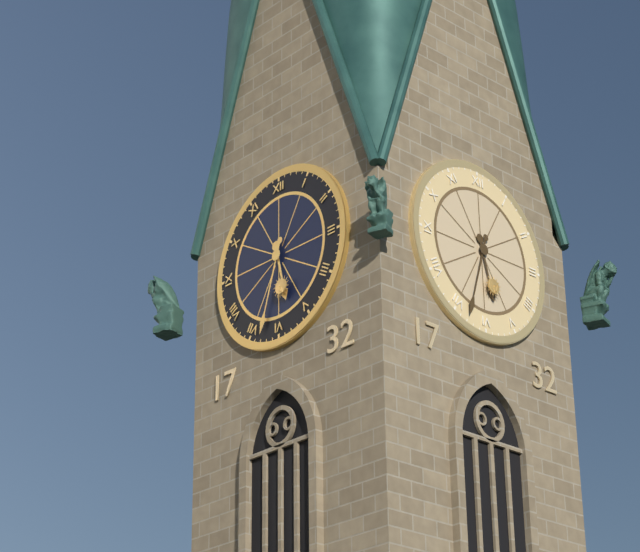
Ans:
h=5 m=33
